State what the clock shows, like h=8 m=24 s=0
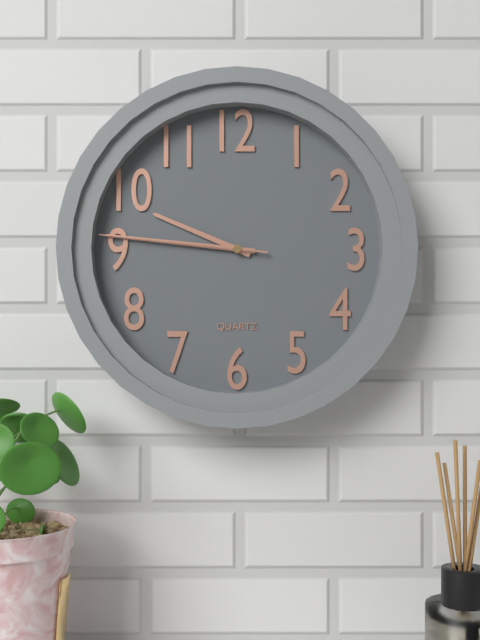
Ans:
h=9 m=46 s=46
